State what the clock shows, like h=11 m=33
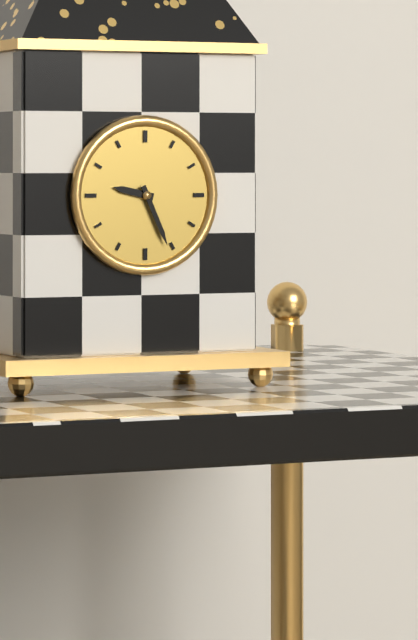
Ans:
h=9 m=26
